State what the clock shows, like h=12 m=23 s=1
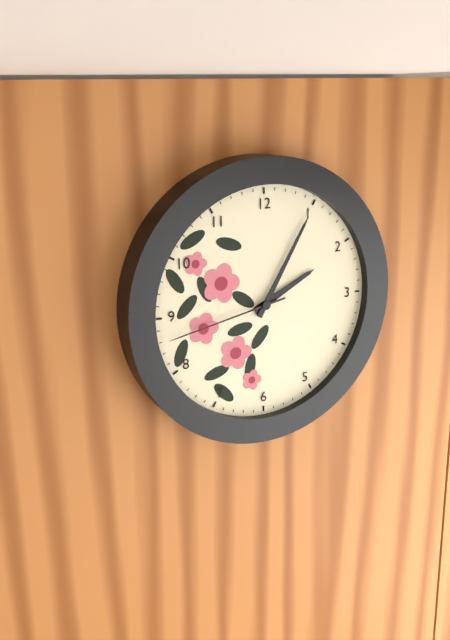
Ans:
h=2 m=5 s=43
